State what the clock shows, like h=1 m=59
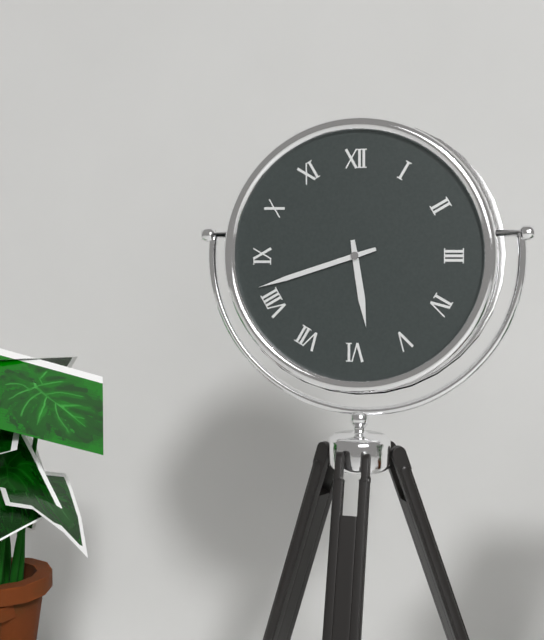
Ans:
h=5 m=42
